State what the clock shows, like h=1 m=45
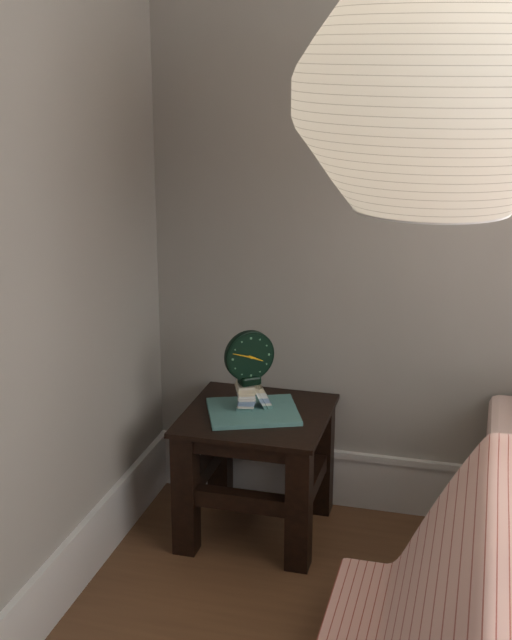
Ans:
h=3 m=48
